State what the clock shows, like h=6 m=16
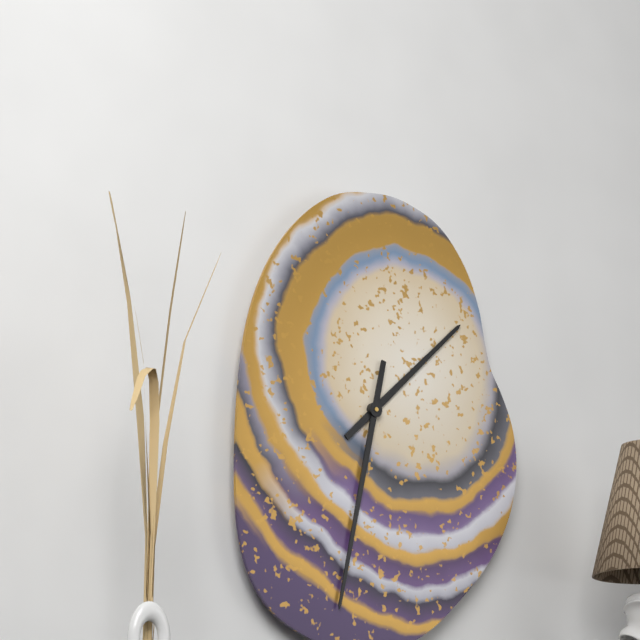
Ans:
h=1 m=32
